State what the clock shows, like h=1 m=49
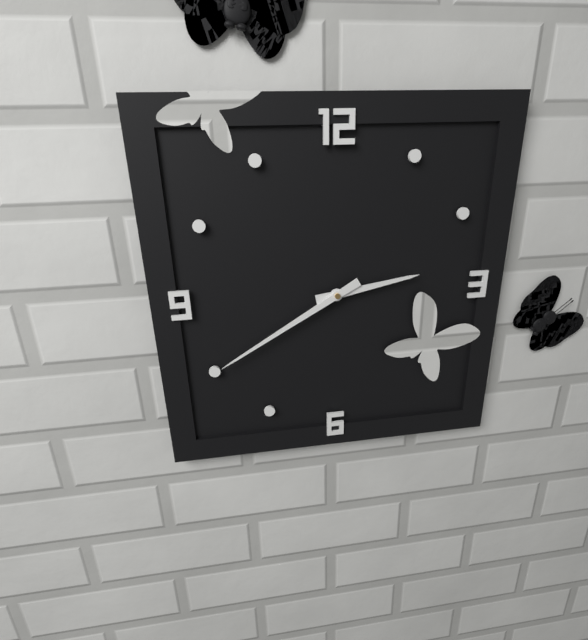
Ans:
h=2 m=40
